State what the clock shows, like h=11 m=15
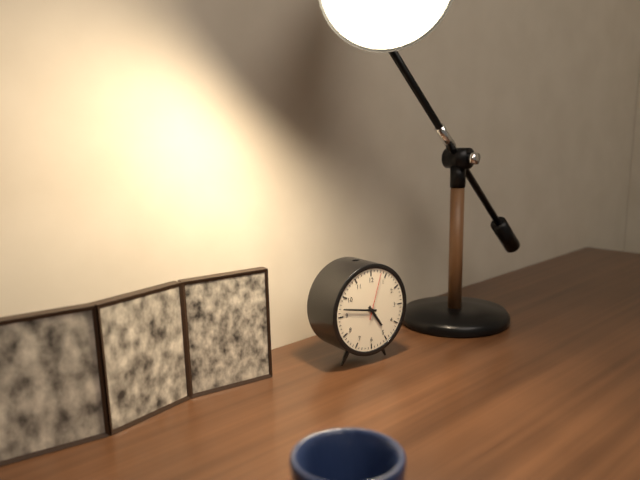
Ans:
h=4 m=47
